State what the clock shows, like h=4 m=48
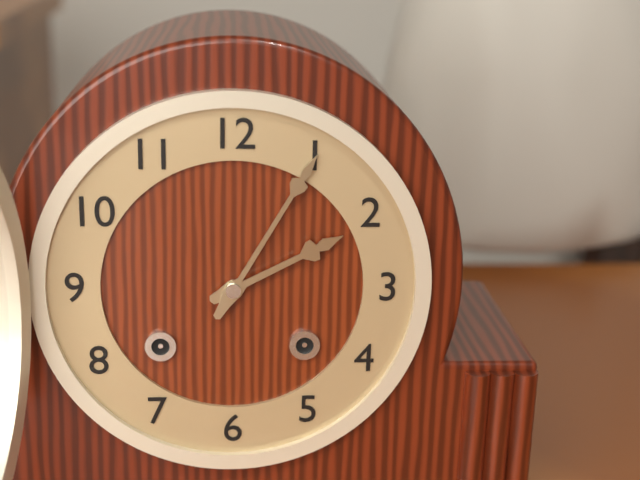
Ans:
h=2 m=5
